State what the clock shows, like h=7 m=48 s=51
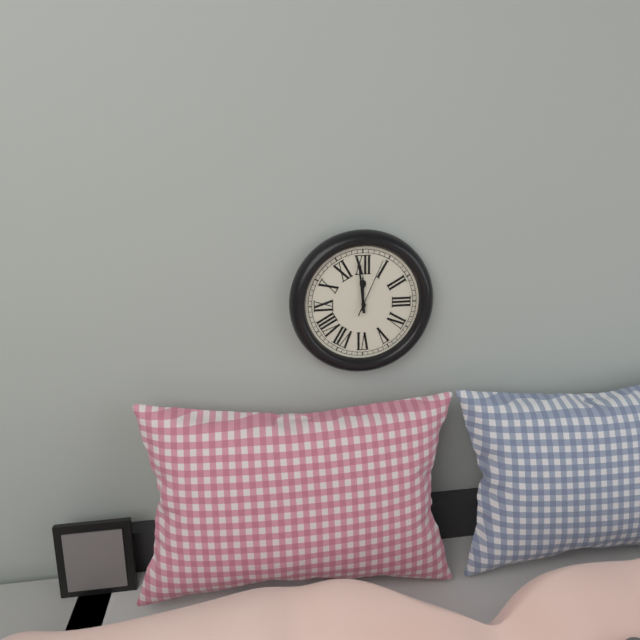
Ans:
h=11 m=59 s=4
